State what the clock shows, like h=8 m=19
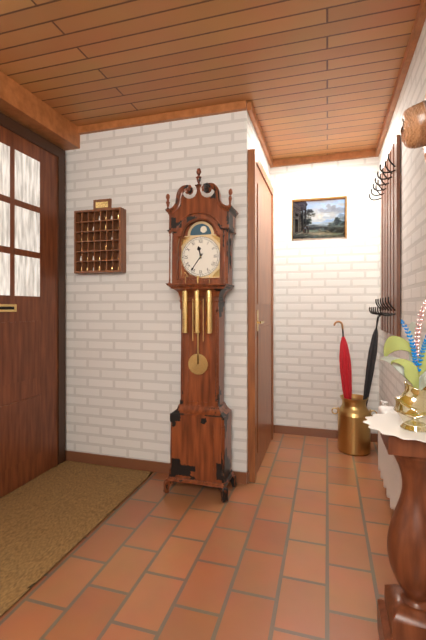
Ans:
h=11 m=36
